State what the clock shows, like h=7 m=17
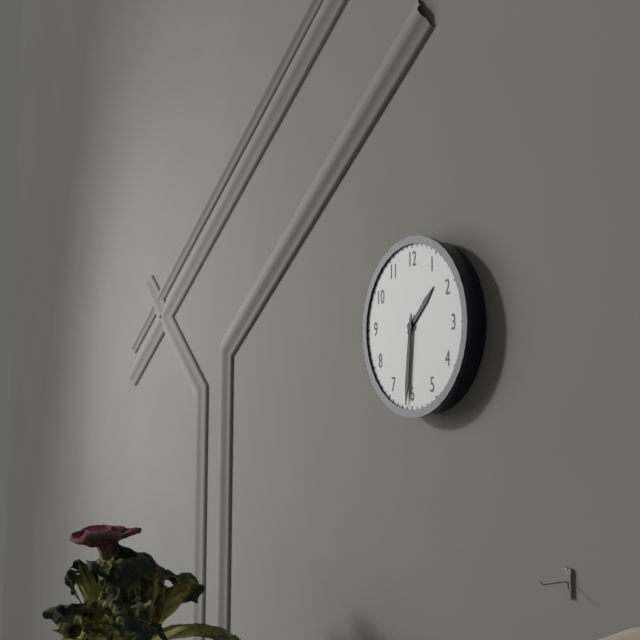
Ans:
h=1 m=31
